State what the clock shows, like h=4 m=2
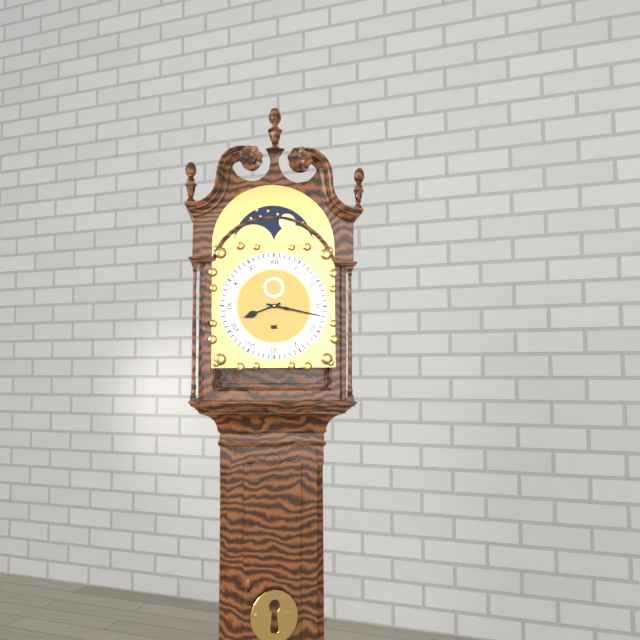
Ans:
h=8 m=17
